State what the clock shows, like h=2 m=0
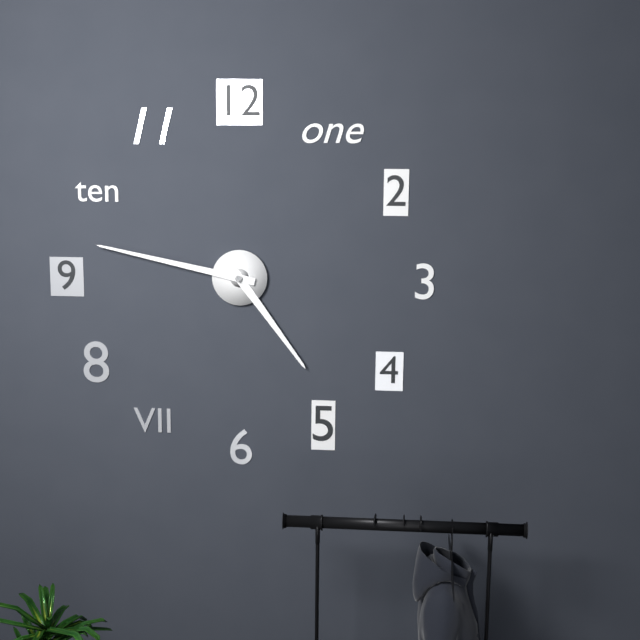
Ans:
h=4 m=47
